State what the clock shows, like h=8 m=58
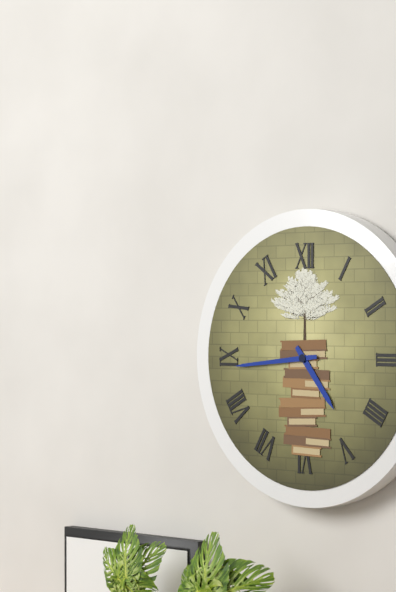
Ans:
h=4 m=44
